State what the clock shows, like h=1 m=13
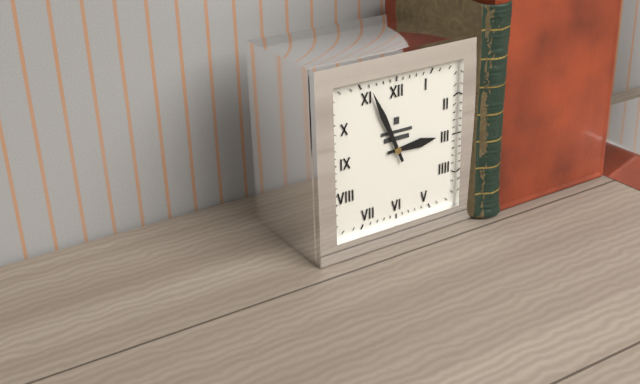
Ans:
h=2 m=56
